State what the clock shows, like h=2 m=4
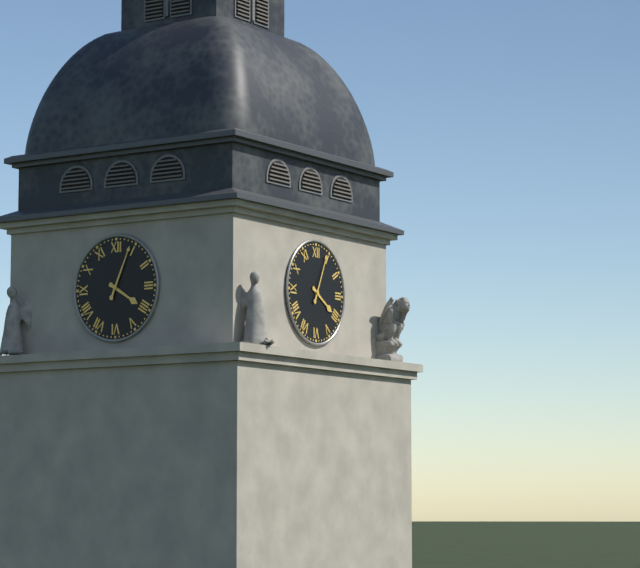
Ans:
h=4 m=4
